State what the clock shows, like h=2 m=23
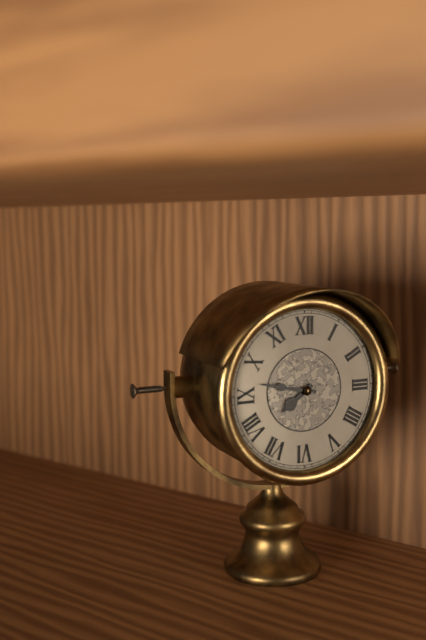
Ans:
h=7 m=47
